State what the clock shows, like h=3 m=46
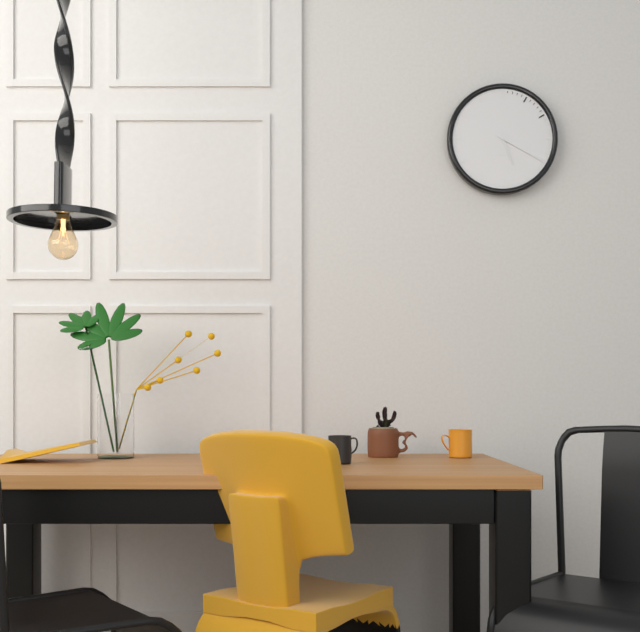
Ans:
h=5 m=20
